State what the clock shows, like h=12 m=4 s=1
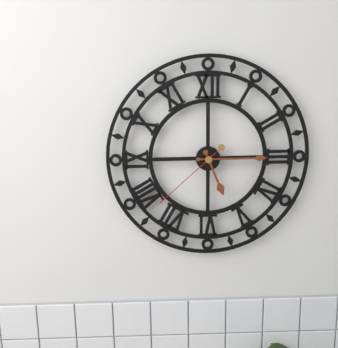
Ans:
h=5 m=15 s=38
